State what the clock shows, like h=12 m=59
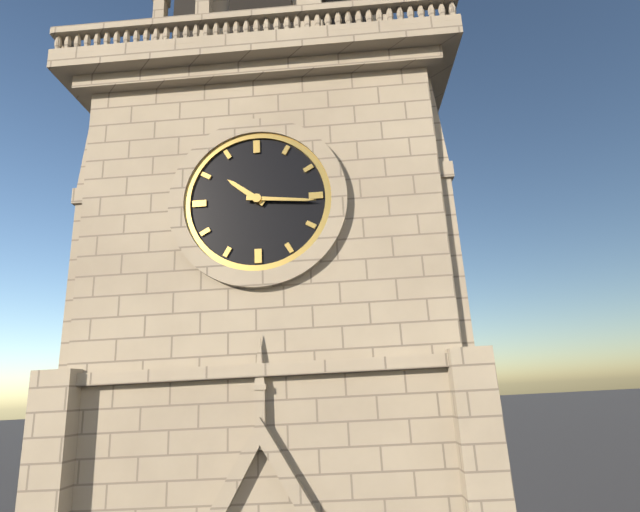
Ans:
h=10 m=16
